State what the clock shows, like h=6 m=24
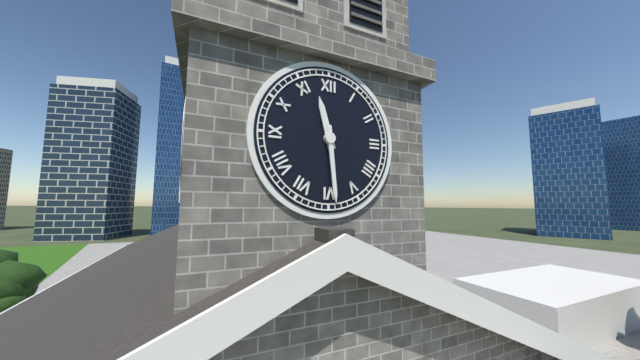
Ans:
h=11 m=29
